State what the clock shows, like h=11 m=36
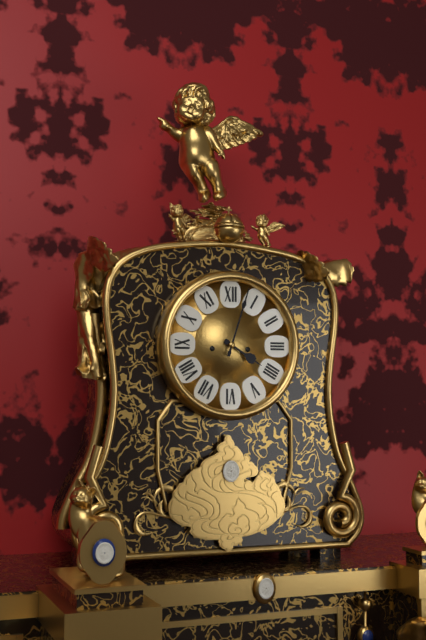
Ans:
h=4 m=3
